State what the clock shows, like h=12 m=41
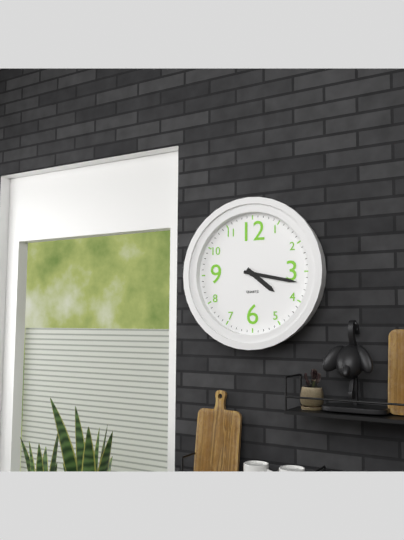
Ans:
h=4 m=17
